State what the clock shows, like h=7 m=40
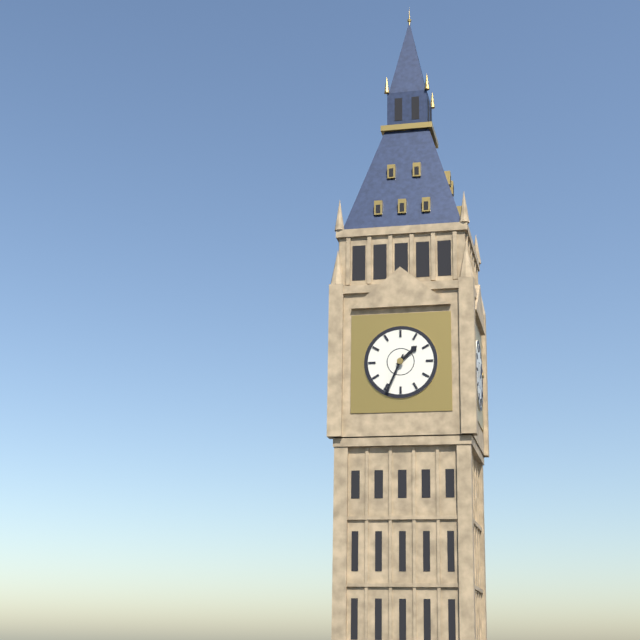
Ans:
h=1 m=34
